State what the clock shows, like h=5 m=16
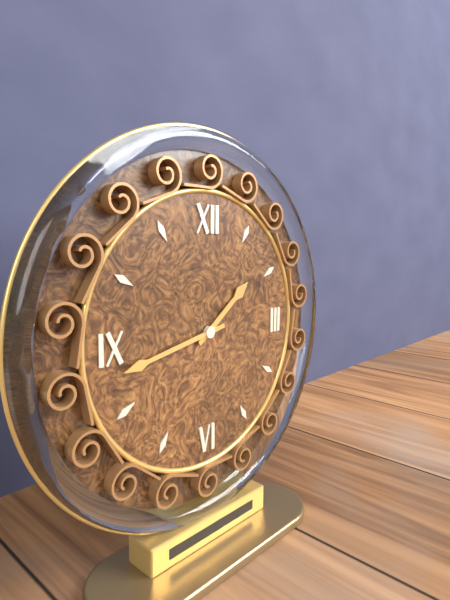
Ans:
h=1 m=43
